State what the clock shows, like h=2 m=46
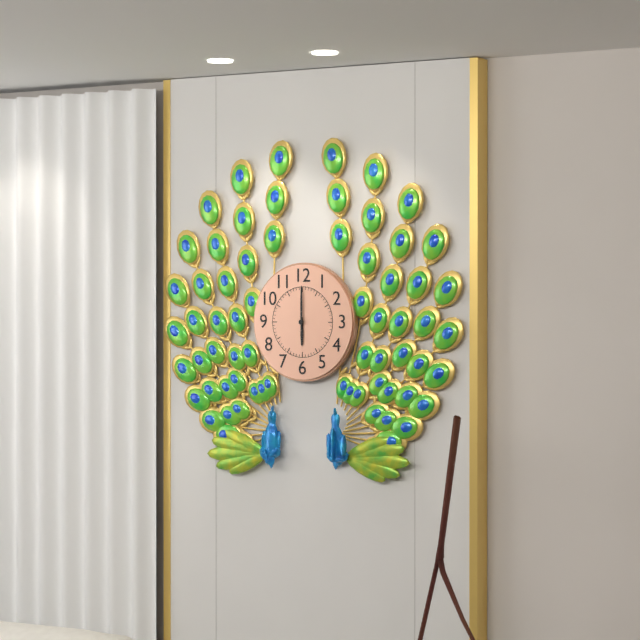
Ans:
h=6 m=0
